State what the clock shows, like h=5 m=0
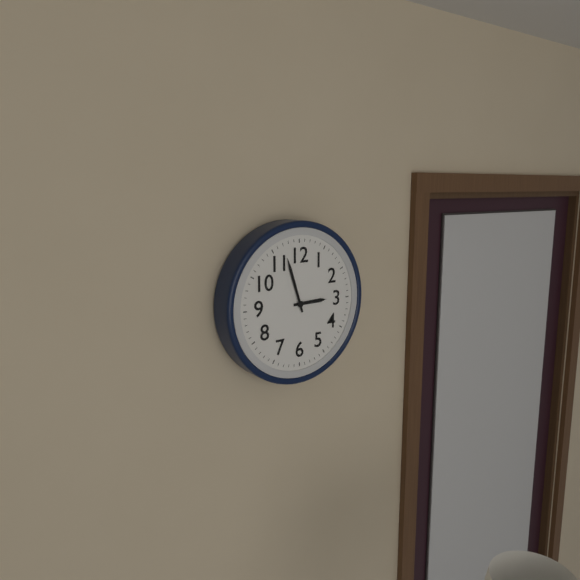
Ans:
h=2 m=57
